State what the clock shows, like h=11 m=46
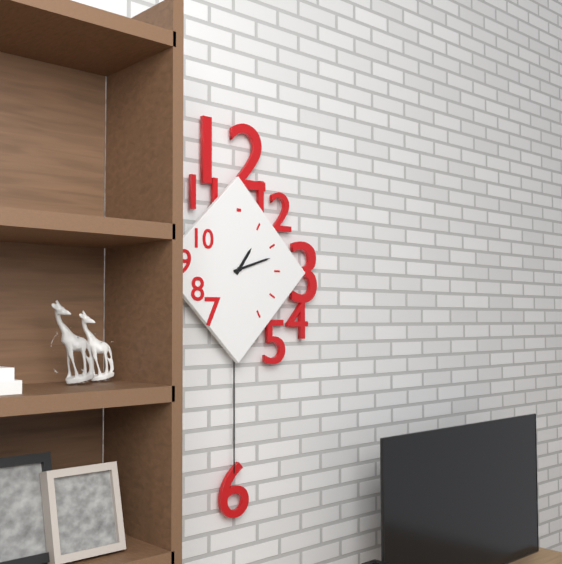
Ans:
h=1 m=12
